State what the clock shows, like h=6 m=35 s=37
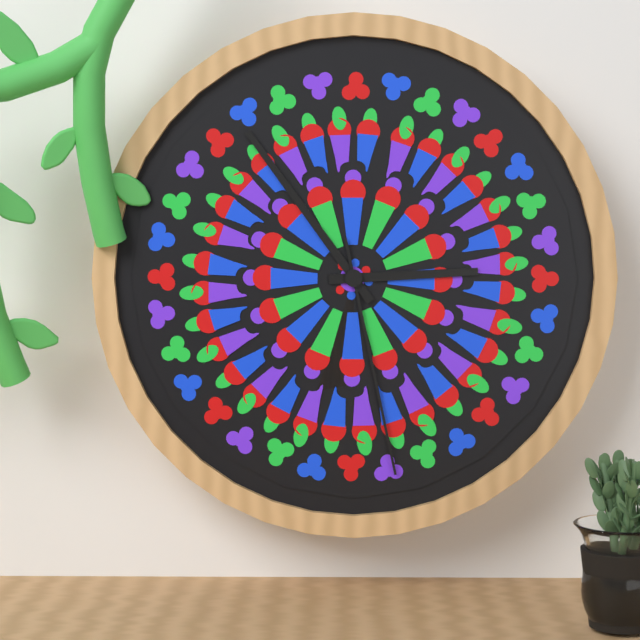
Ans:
h=2 m=54 s=28
